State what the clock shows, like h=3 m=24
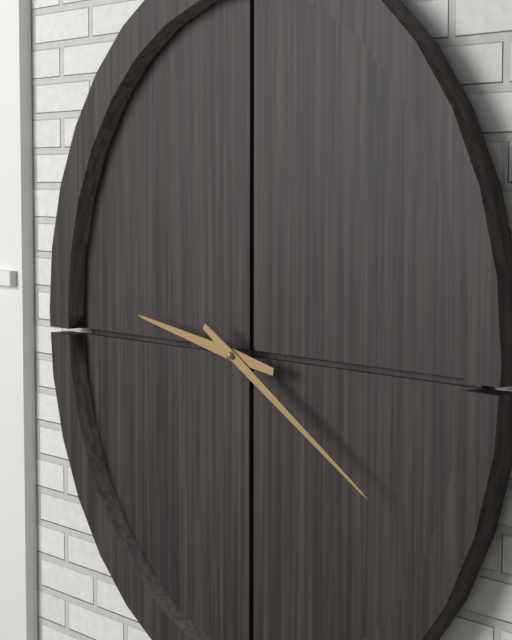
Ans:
h=9 m=20
